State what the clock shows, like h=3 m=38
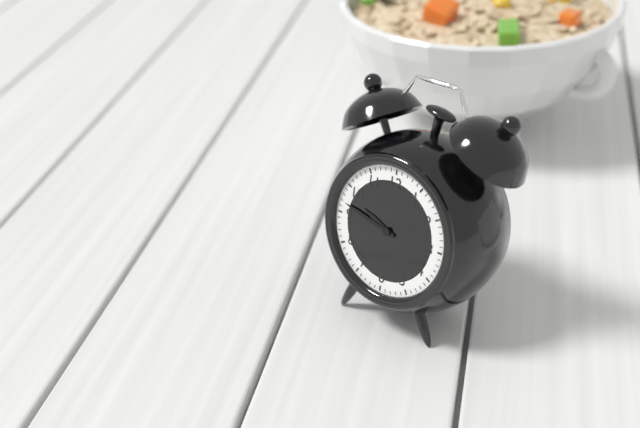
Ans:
h=9 m=47
